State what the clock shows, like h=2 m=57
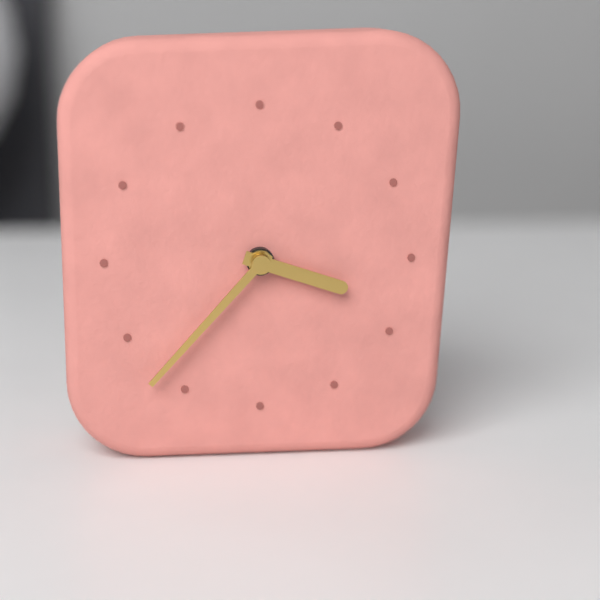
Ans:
h=3 m=37
